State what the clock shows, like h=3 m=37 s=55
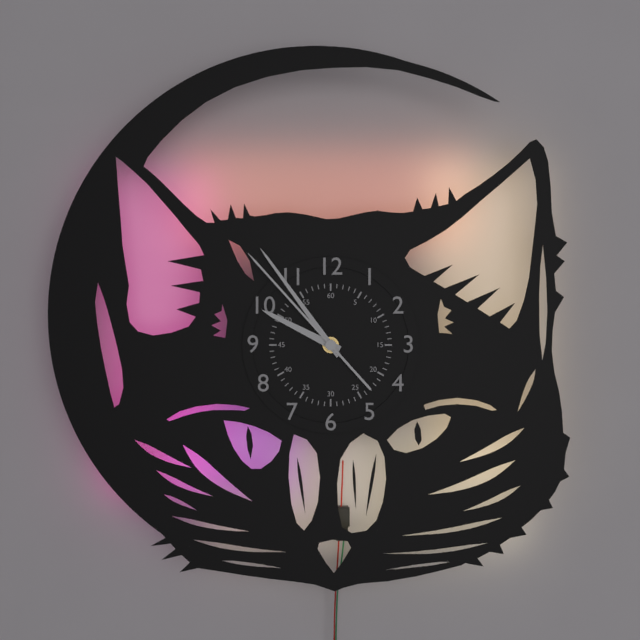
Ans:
h=9 m=54 s=53
